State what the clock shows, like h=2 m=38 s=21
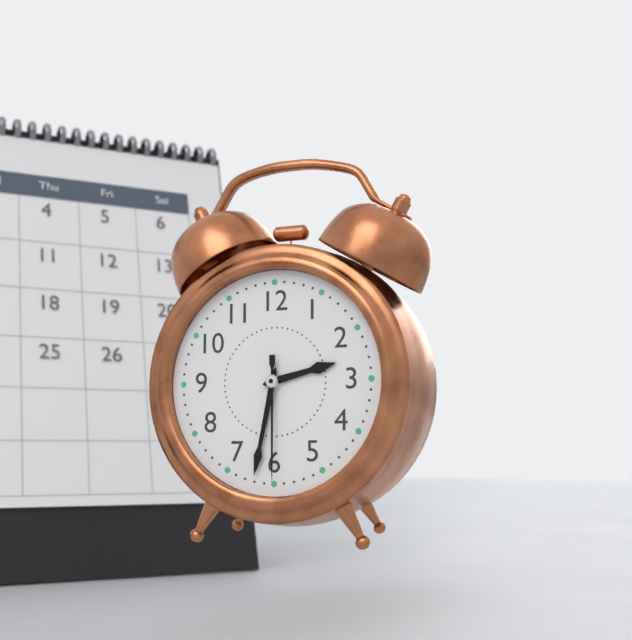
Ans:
h=2 m=32 s=30
